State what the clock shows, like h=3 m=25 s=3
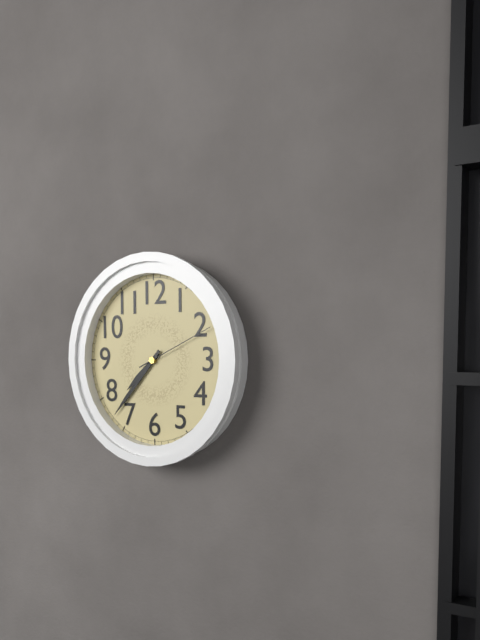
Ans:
h=7 m=37 s=11
